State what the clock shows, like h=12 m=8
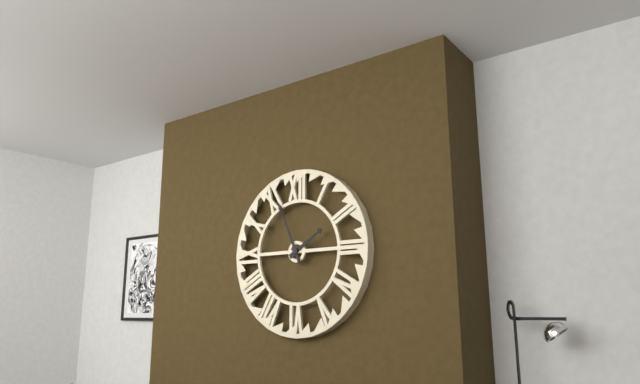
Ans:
h=1 m=56
